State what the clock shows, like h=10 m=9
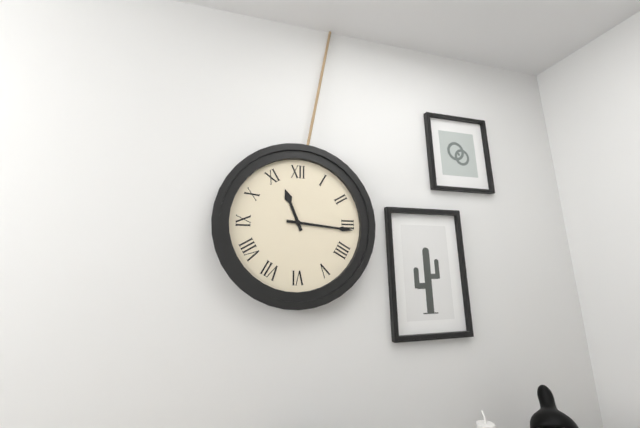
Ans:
h=11 m=16
